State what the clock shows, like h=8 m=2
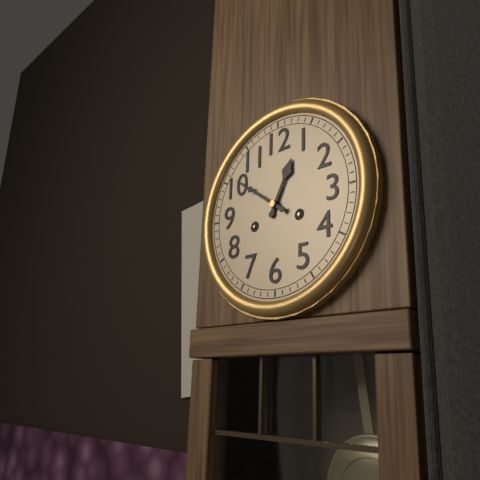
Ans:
h=12 m=51
